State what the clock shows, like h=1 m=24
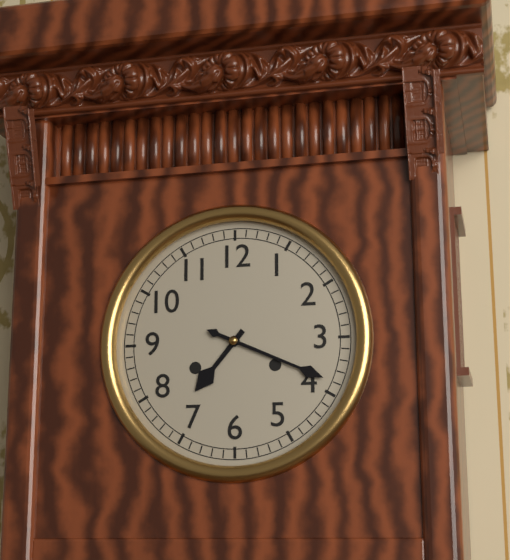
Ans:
h=7 m=19
